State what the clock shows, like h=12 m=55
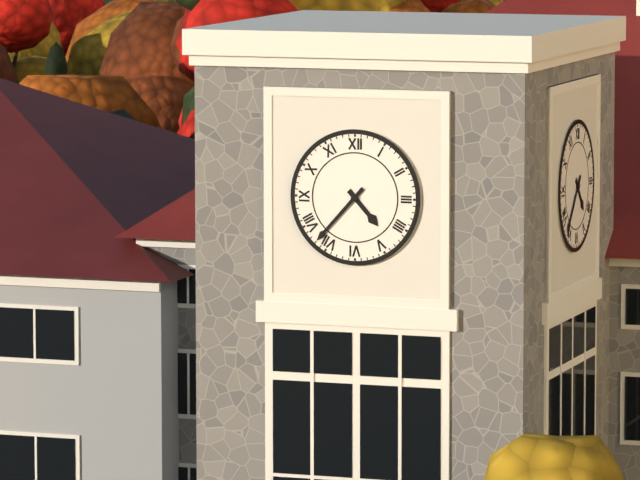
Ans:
h=4 m=37
